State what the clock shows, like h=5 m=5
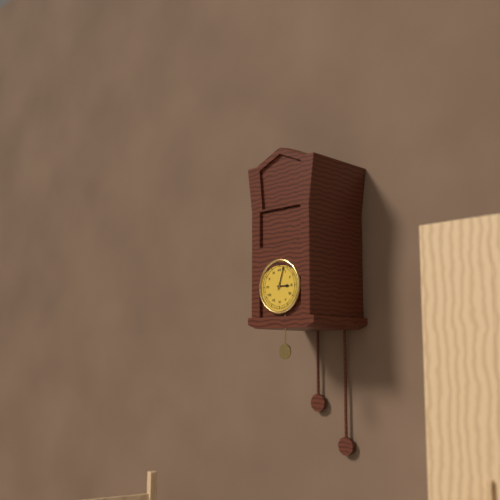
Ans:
h=3 m=3
